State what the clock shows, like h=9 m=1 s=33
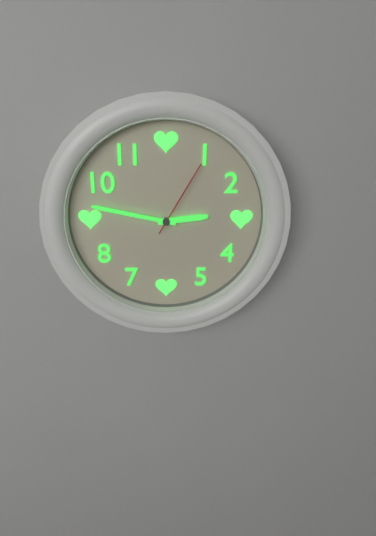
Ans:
h=2 m=47 s=5
